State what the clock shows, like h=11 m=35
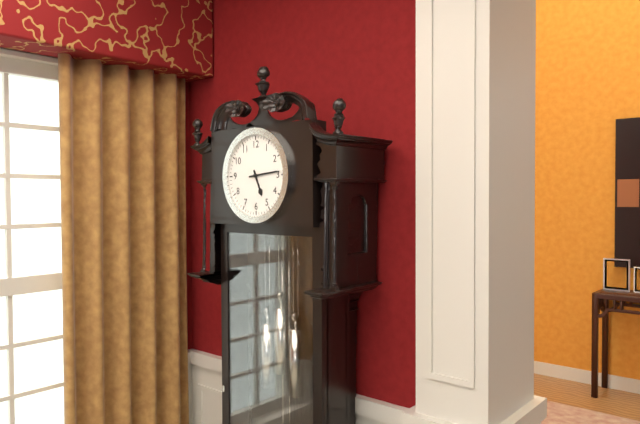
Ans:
h=5 m=14
